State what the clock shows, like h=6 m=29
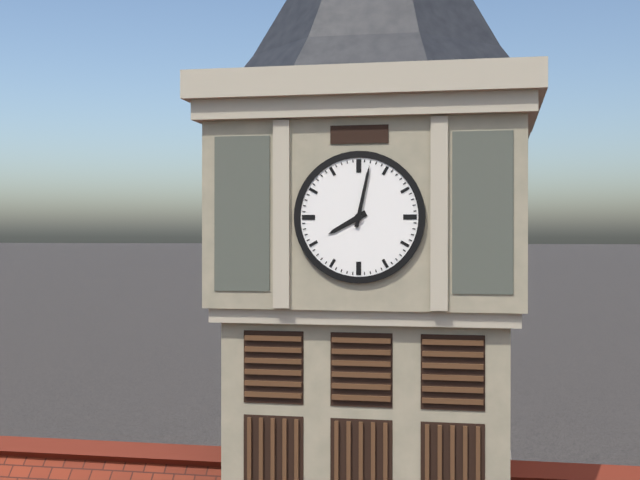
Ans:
h=8 m=2
